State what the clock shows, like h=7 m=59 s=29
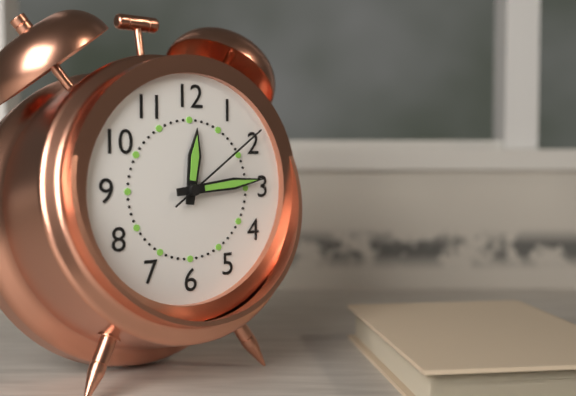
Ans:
h=12 m=14 s=9
